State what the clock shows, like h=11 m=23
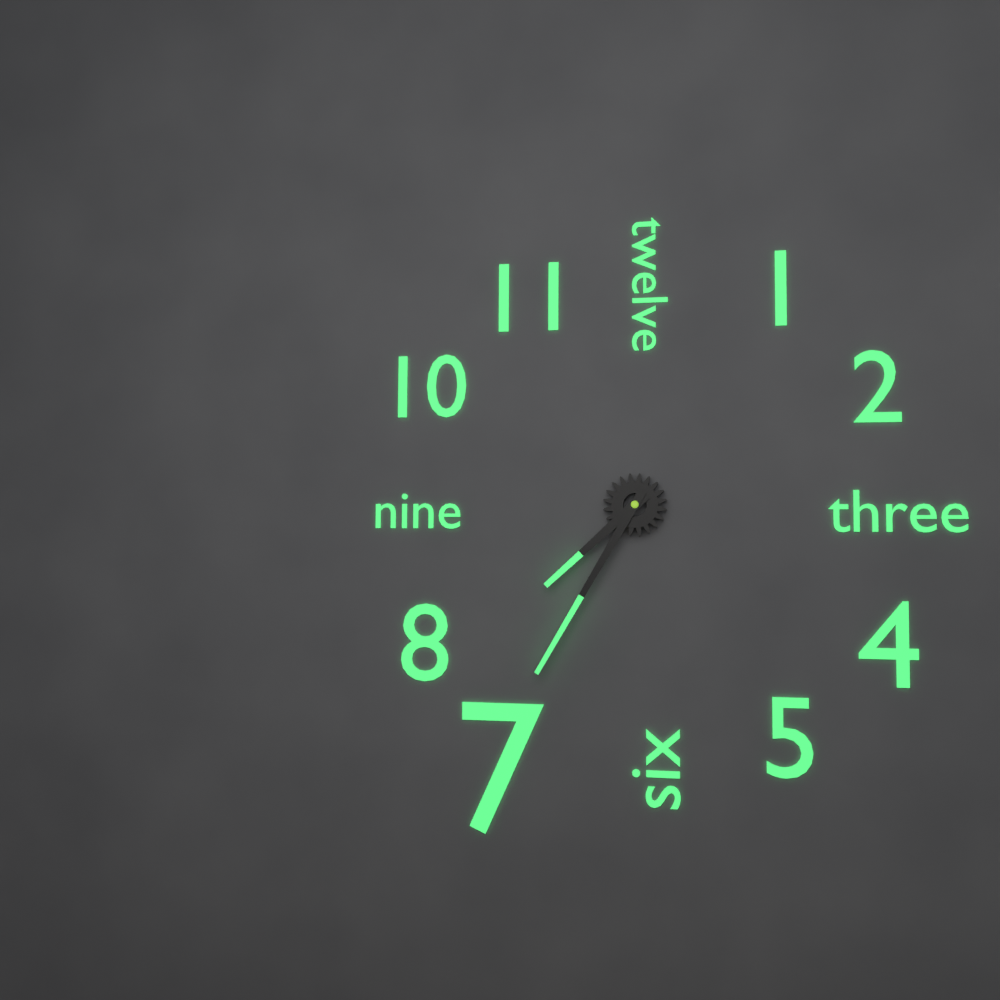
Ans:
h=7 m=35
